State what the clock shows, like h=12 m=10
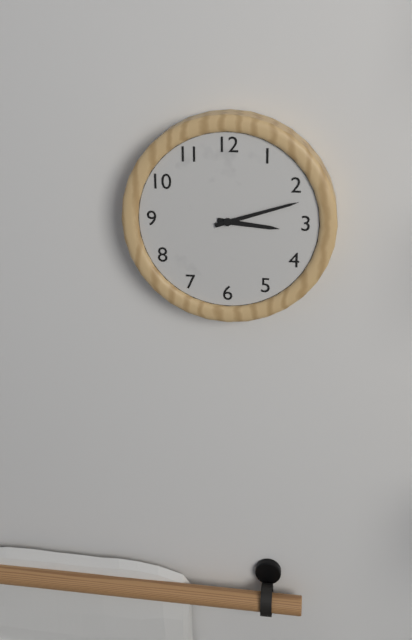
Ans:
h=3 m=12
